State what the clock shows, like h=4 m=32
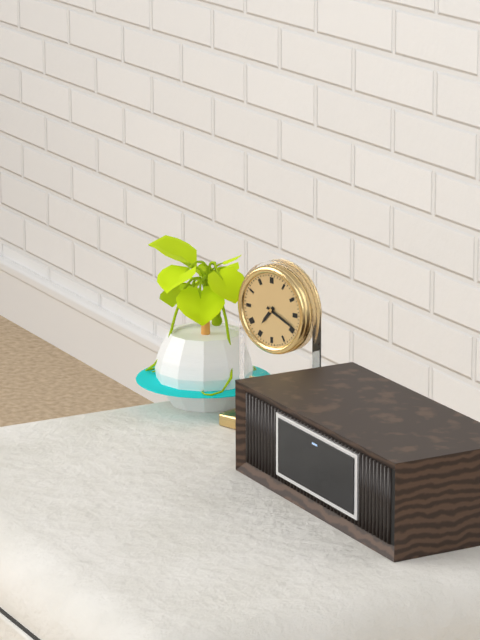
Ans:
h=7 m=19
